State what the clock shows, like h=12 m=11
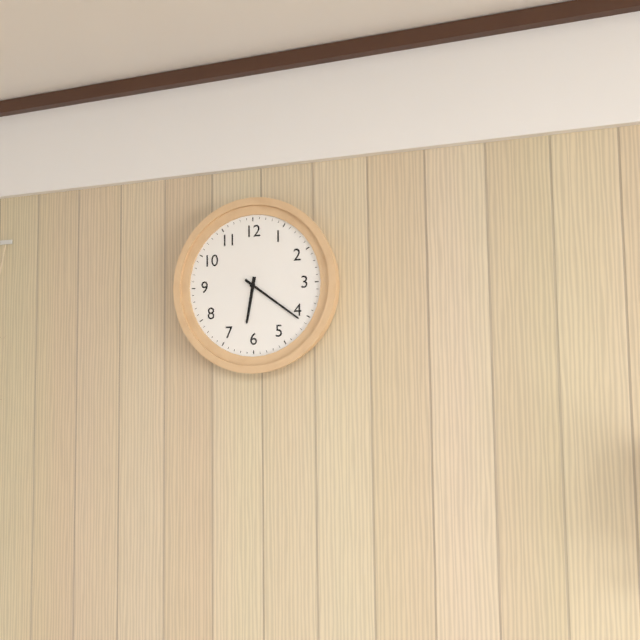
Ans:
h=6 m=21
